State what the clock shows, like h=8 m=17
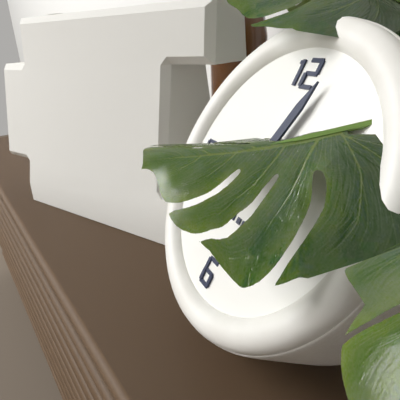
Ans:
h=7 m=3
